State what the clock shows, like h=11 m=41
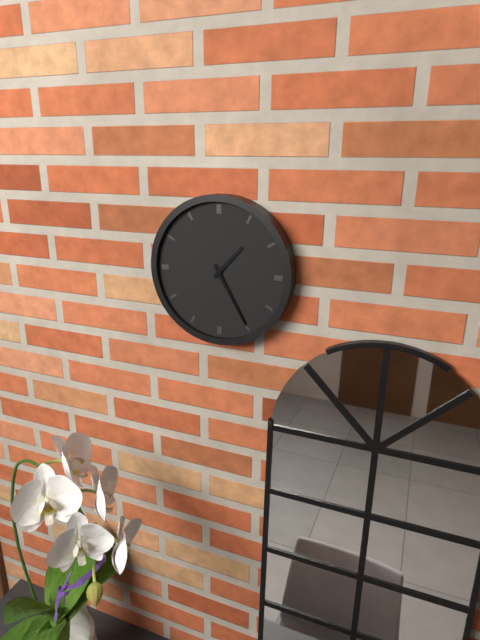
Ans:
h=1 m=25
